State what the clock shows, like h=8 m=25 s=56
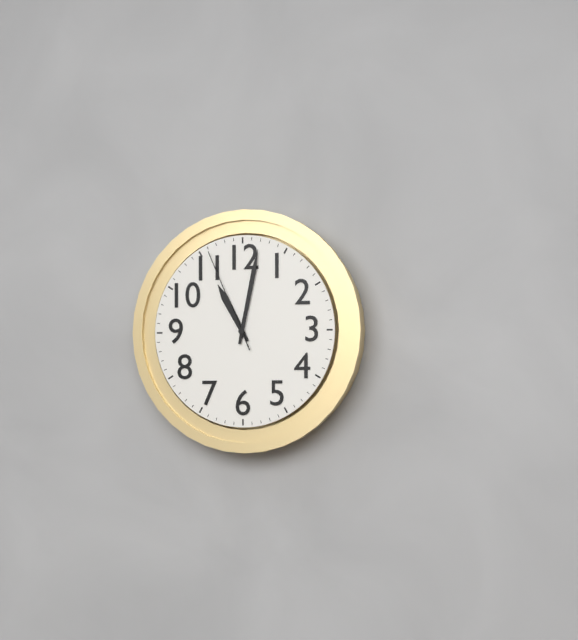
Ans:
h=11 m=2 s=56
